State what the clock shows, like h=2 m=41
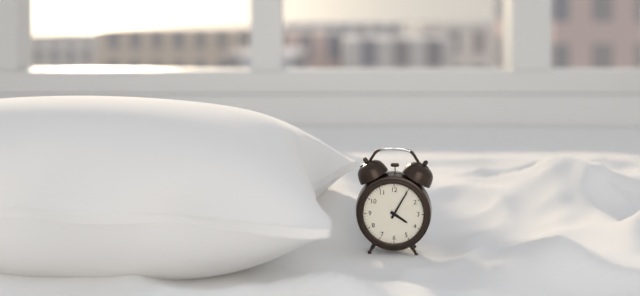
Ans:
h=4 m=5
